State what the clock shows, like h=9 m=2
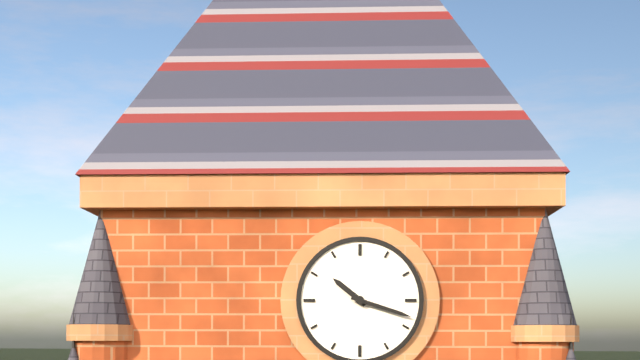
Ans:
h=10 m=18
